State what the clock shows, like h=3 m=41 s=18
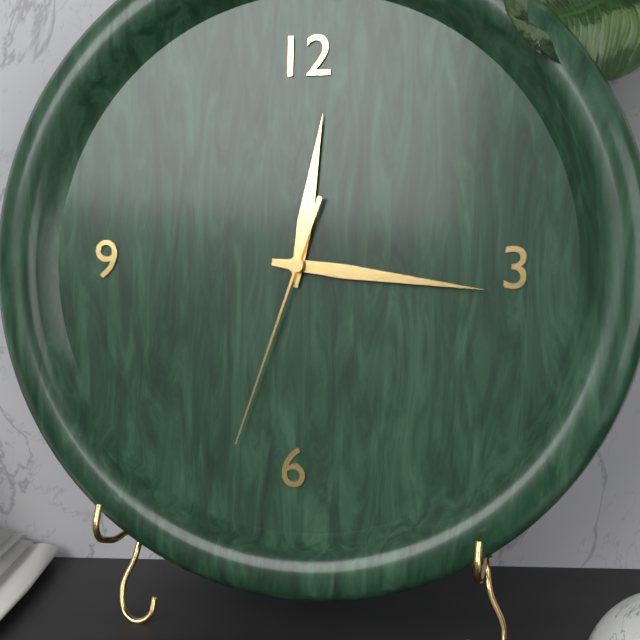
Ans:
h=12 m=16 s=33
